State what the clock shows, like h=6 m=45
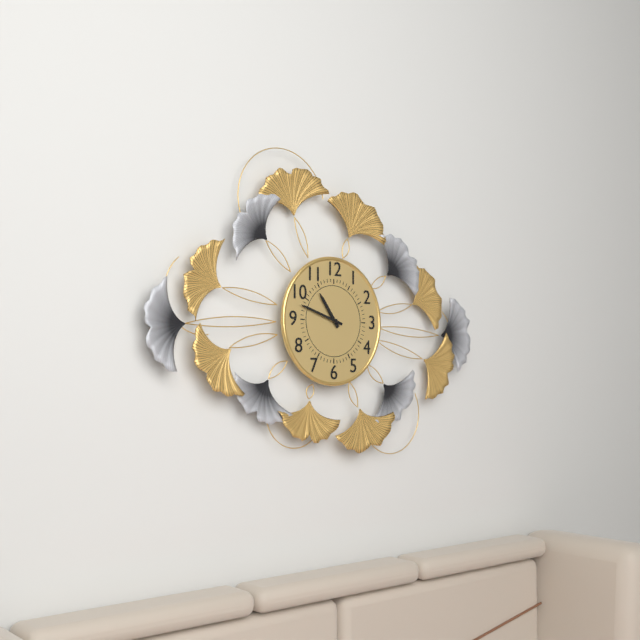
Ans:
h=10 m=48
